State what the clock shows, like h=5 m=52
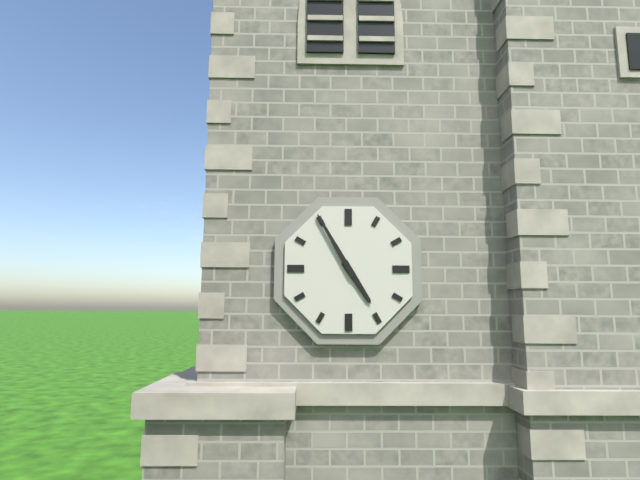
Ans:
h=4 m=55
